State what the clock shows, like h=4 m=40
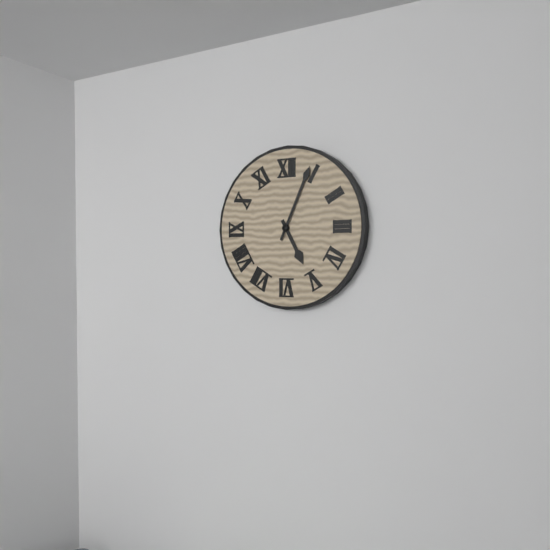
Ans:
h=5 m=4
